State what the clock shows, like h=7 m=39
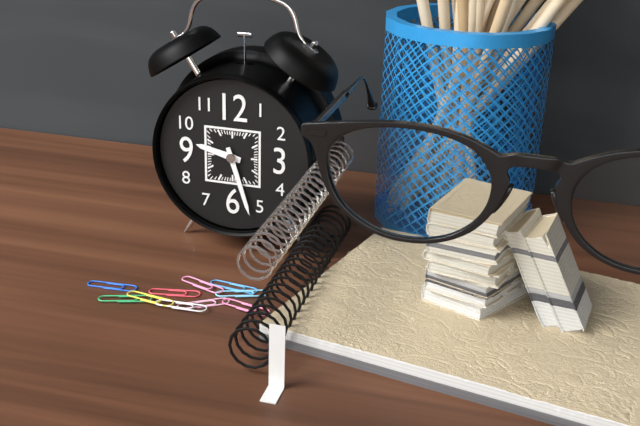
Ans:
h=9 m=27
